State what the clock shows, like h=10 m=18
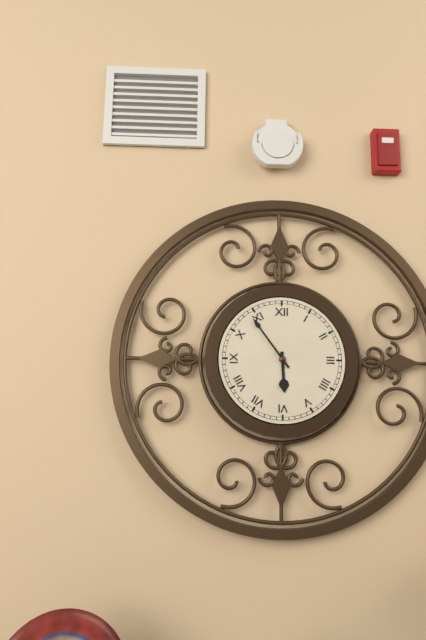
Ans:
h=5 m=54
